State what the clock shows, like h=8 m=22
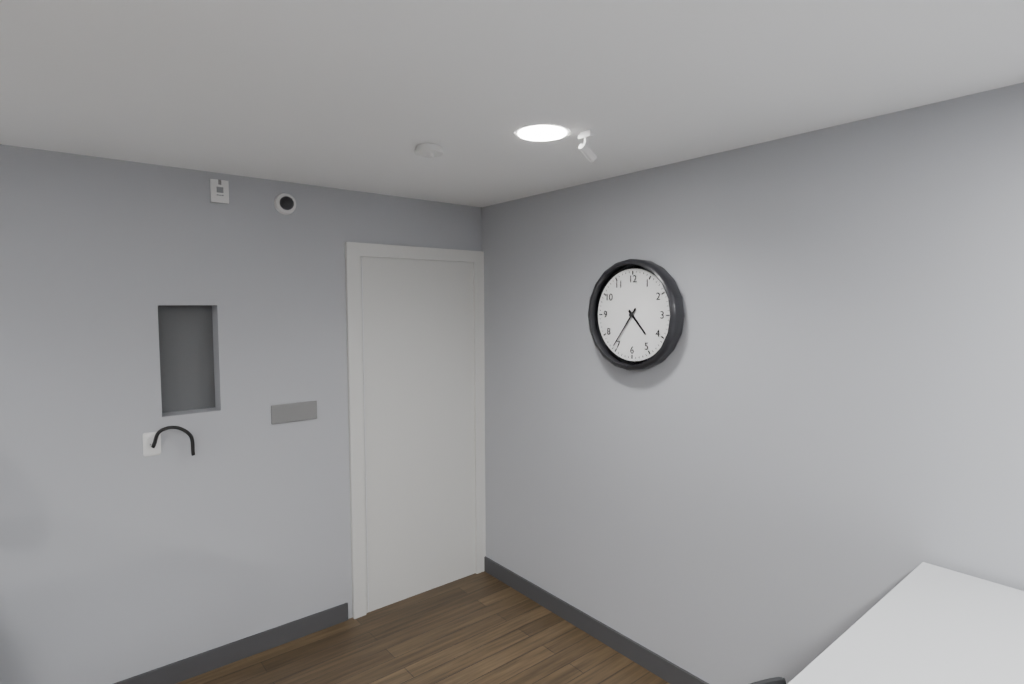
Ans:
h=4 m=36
